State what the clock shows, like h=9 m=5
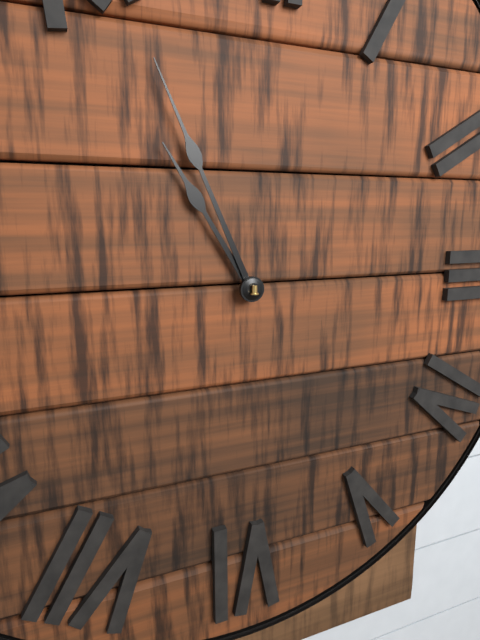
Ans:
h=10 m=56
